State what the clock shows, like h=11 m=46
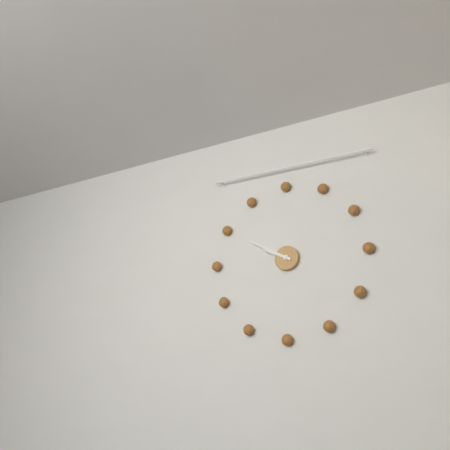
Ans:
h=9 m=50
